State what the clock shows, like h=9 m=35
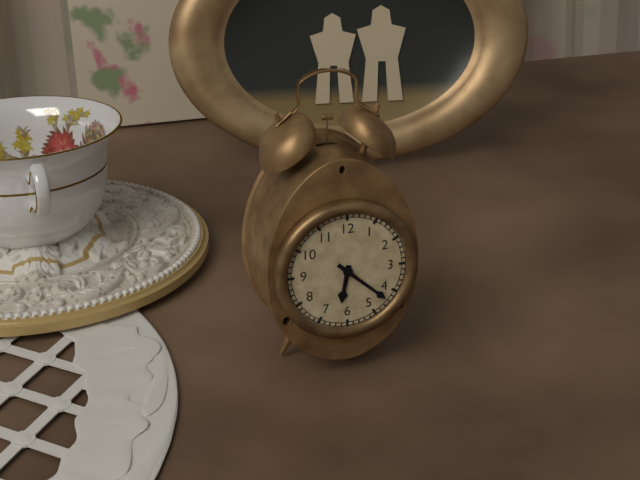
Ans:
h=6 m=22
